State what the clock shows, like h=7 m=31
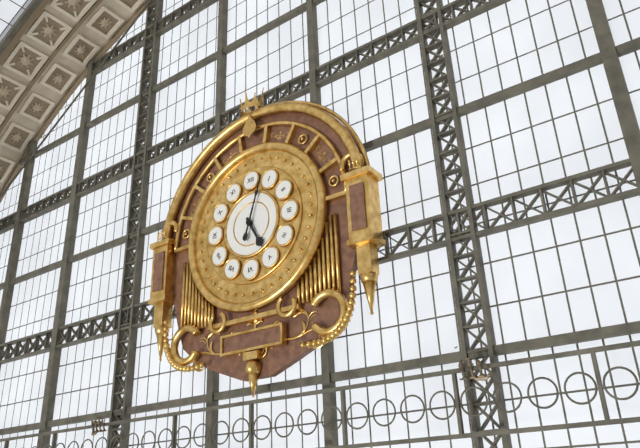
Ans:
h=5 m=3
